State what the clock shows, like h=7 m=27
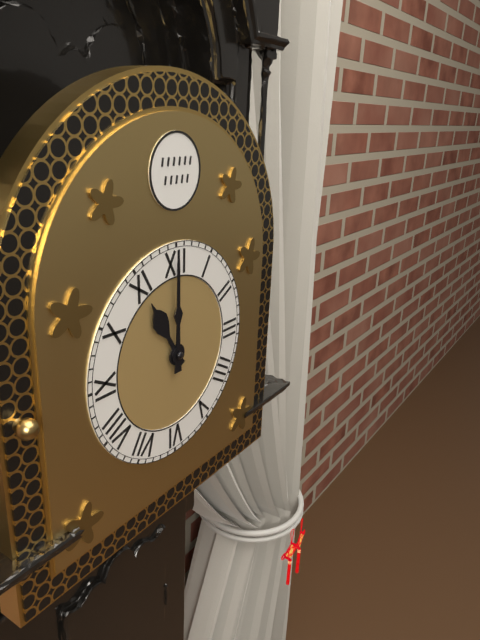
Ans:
h=11 m=0
